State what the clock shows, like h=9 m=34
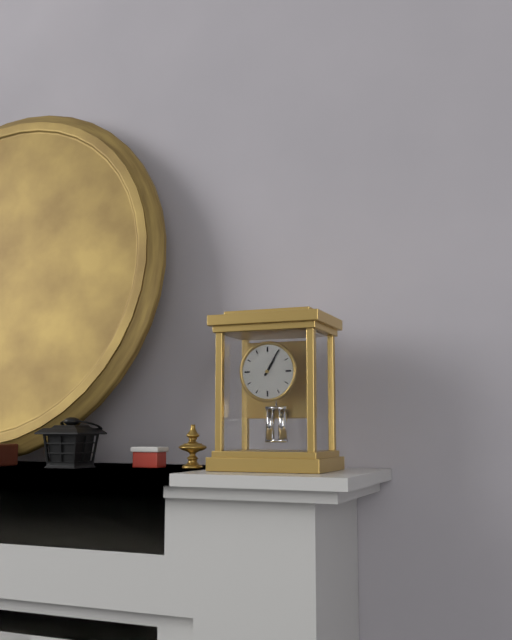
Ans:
h=1 m=5
